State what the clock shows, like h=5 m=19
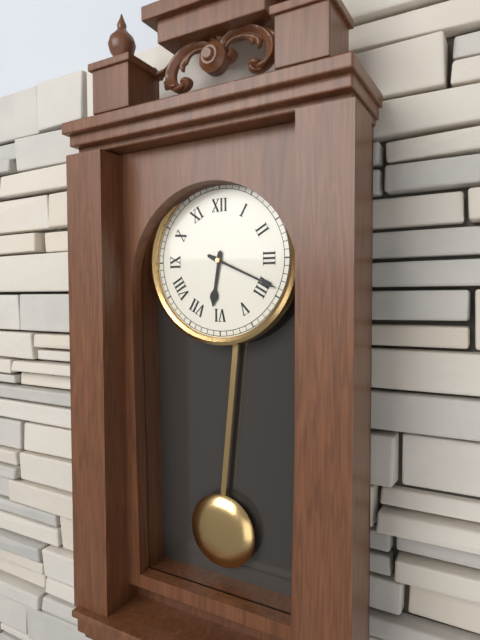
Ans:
h=6 m=19
